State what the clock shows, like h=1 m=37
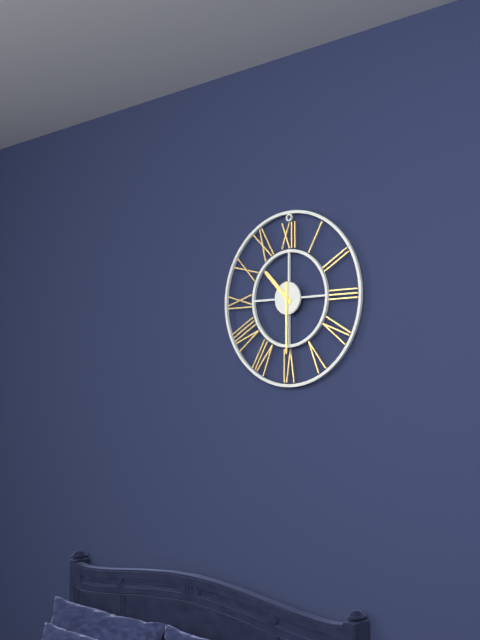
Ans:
h=10 m=30
